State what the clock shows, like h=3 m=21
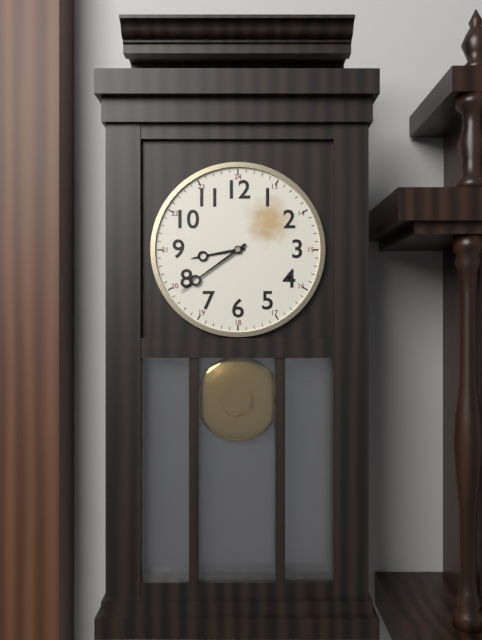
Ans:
h=8 m=39
